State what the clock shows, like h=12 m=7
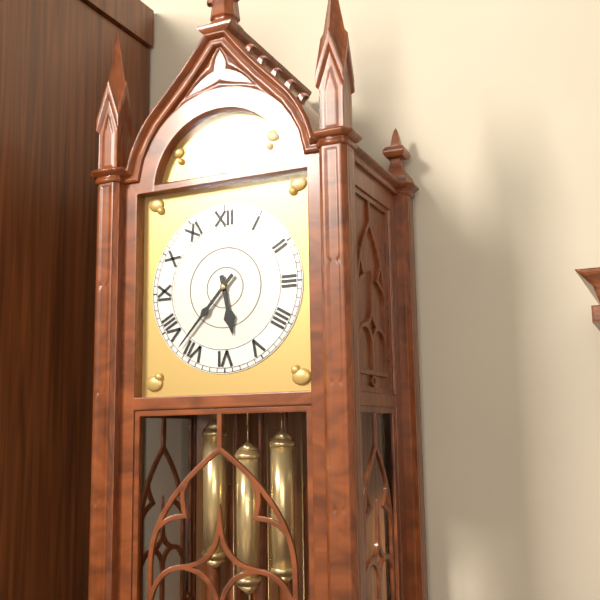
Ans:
h=5 m=37
